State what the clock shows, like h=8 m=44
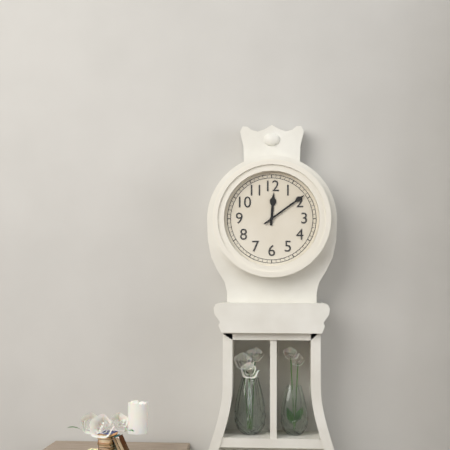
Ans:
h=12 m=9
